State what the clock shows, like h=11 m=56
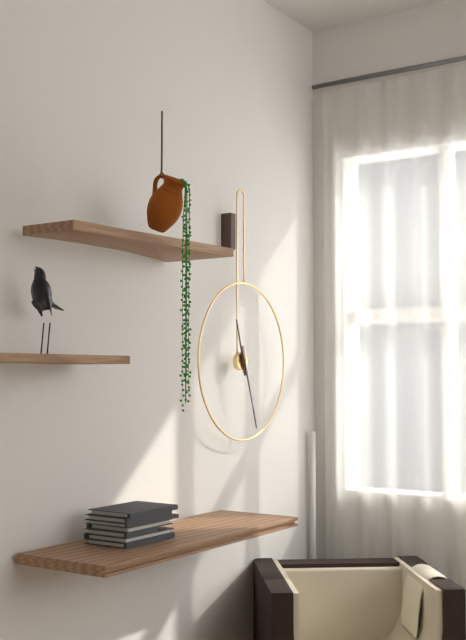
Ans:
h=11 m=27
